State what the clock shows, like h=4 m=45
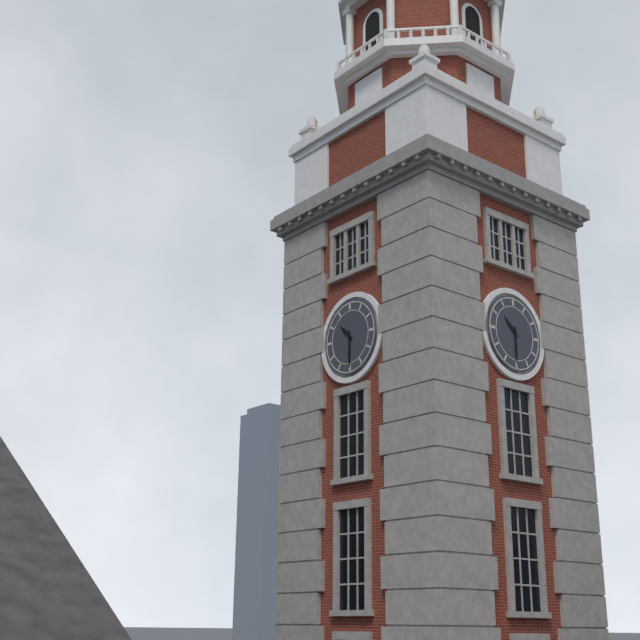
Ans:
h=10 m=30
